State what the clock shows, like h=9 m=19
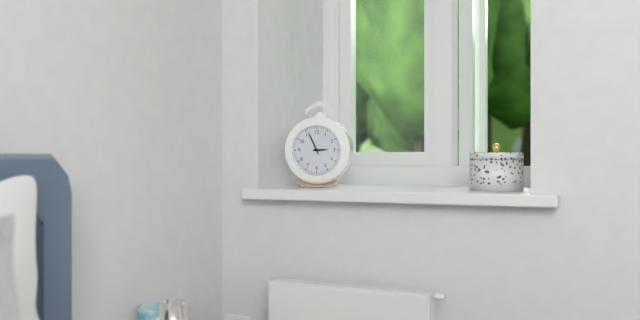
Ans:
h=2 m=56
